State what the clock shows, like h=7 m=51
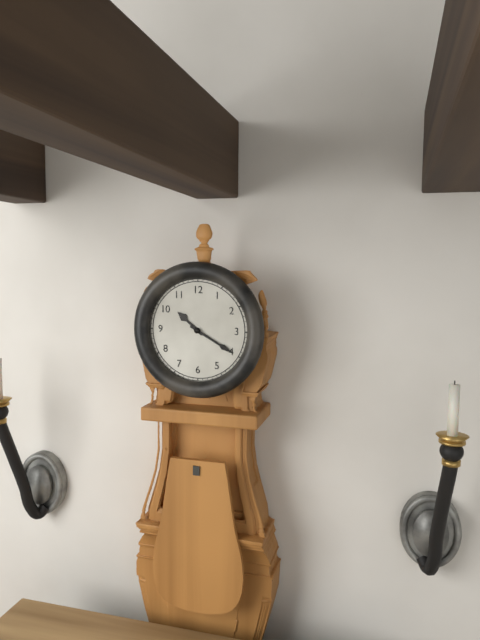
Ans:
h=10 m=20
